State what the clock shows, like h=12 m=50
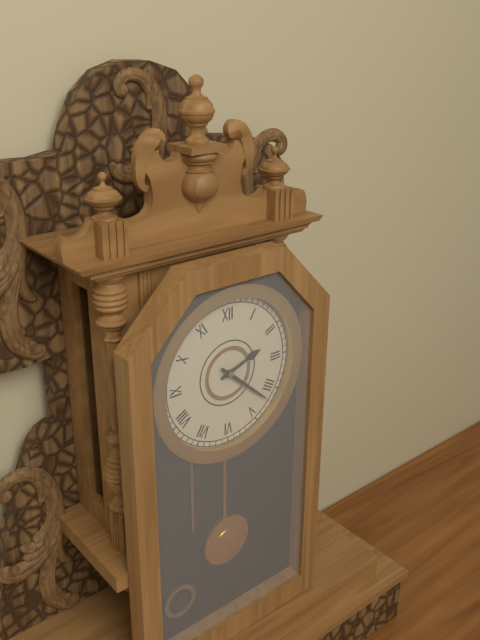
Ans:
h=2 m=22
